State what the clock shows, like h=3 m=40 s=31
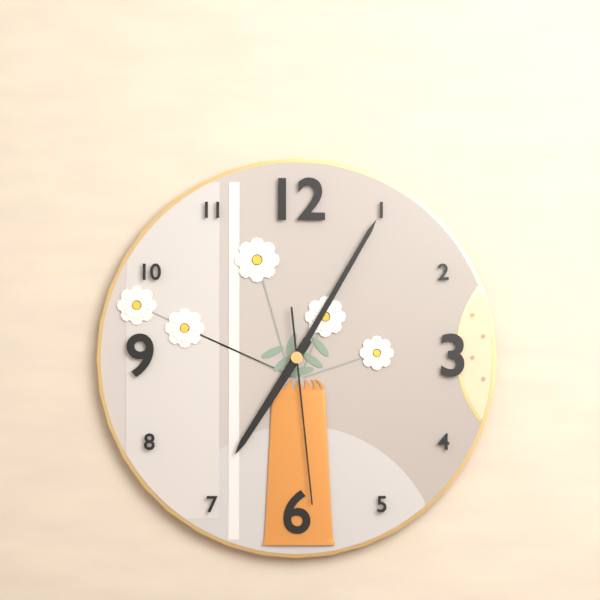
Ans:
h=7 m=5 s=29
